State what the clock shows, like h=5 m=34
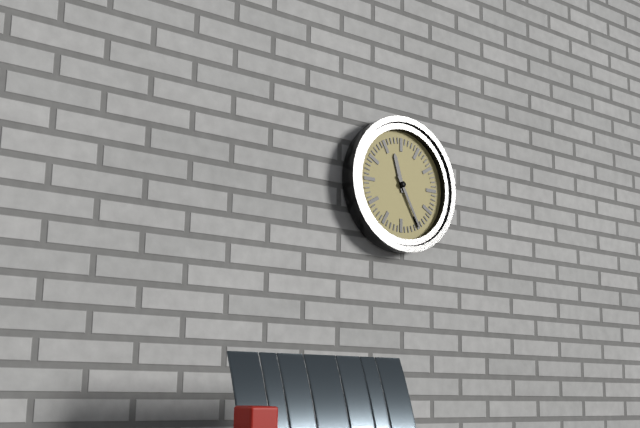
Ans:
h=11 m=25
